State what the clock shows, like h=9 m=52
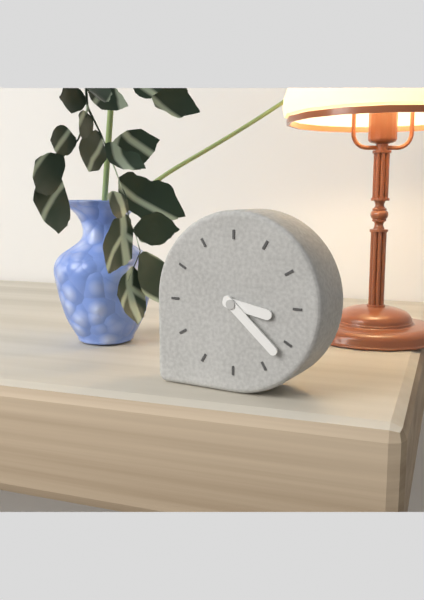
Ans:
h=3 m=22
